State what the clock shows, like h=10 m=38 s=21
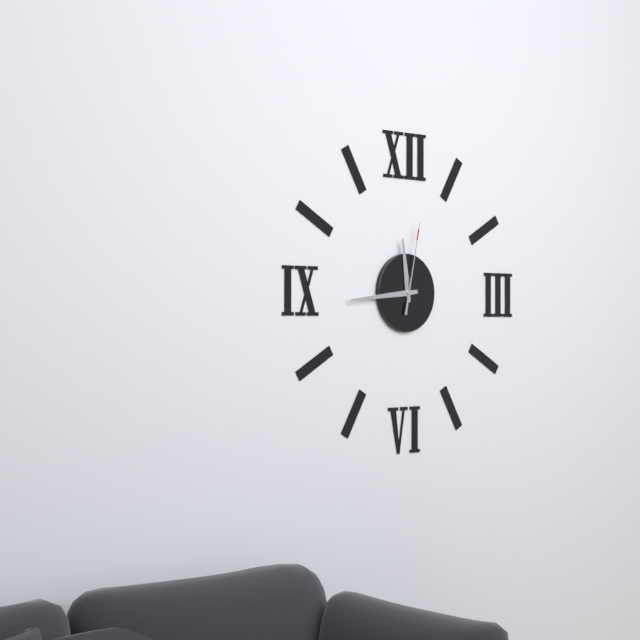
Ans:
h=11 m=44 s=2
